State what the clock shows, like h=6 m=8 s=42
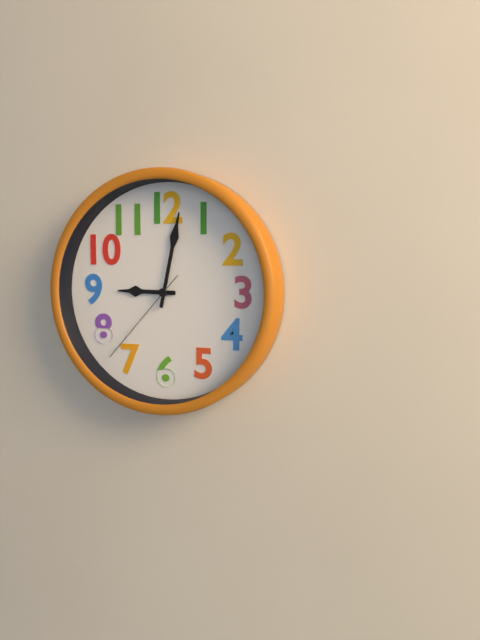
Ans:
h=9 m=2 s=37
